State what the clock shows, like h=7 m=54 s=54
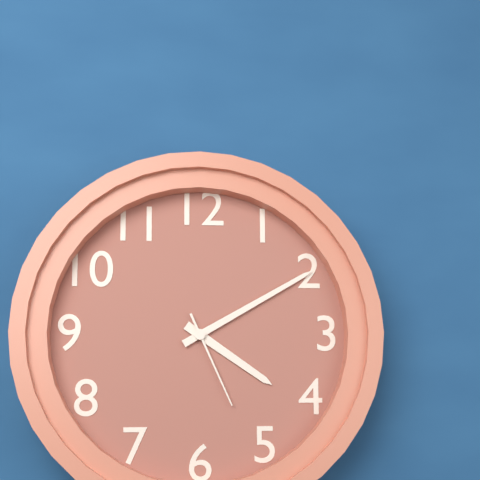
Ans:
h=4 m=10 s=26
